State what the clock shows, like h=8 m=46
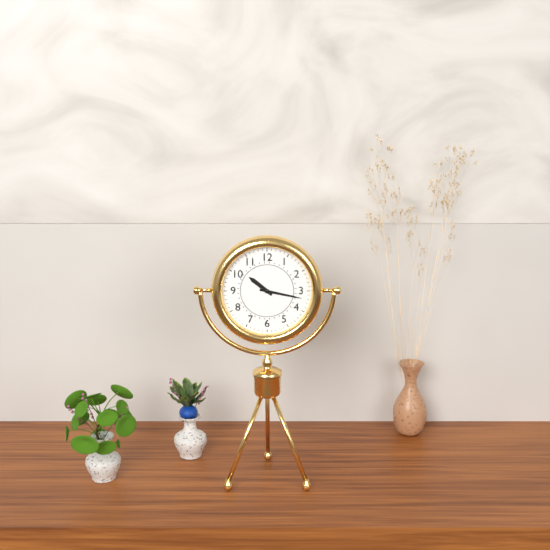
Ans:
h=10 m=17
